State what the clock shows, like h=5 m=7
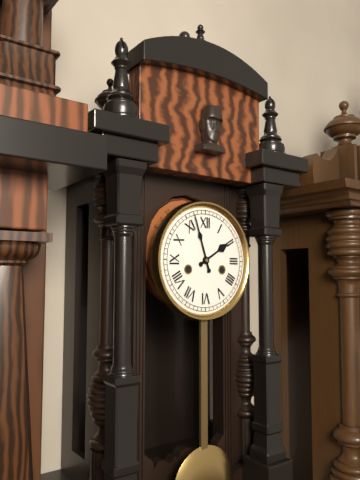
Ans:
h=1 m=57
